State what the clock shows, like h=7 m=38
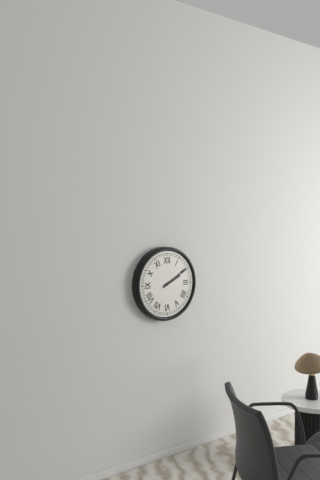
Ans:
h=2 m=10
